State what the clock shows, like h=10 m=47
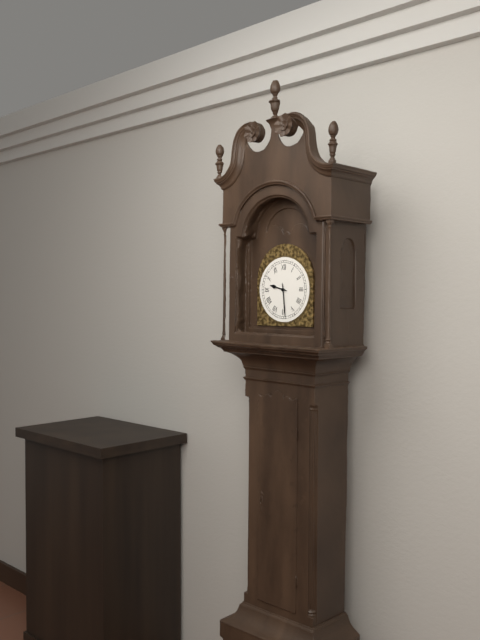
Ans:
h=9 m=29
